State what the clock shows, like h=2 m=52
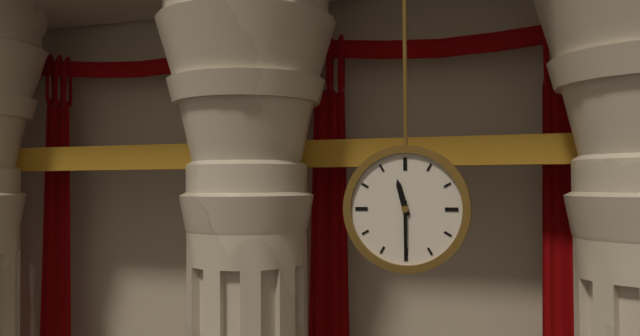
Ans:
h=11 m=30
